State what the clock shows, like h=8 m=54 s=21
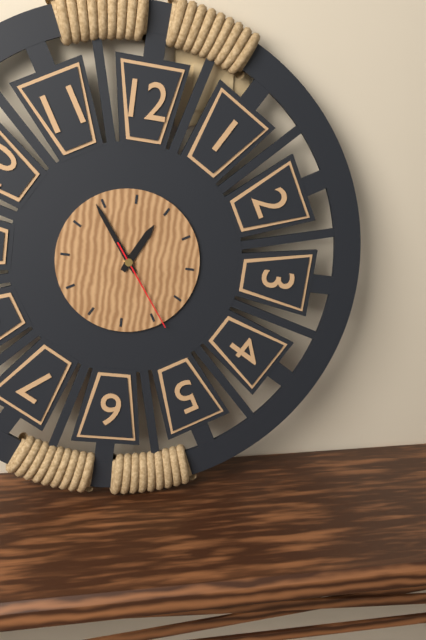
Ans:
h=12 m=54 s=24
